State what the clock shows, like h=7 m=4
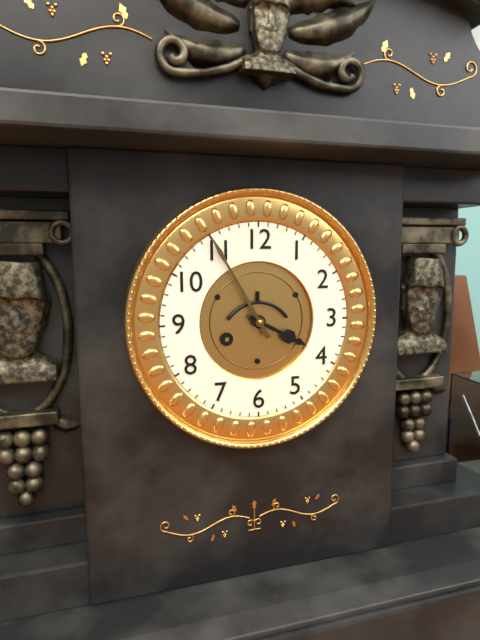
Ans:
h=3 m=55
